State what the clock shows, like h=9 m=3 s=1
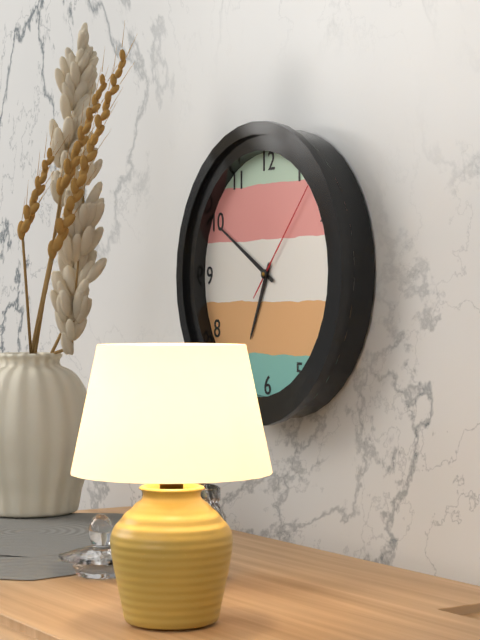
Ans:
h=6 m=50 s=7
